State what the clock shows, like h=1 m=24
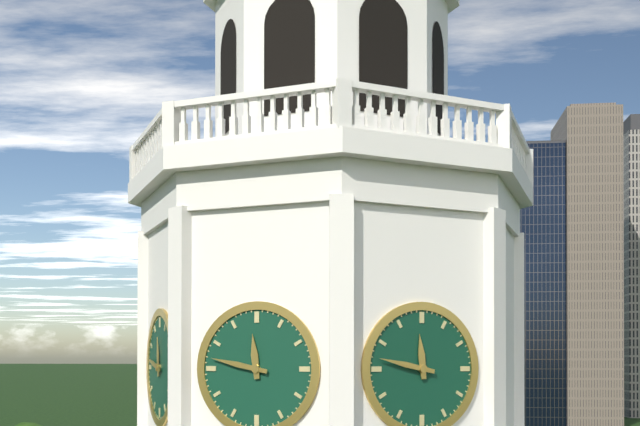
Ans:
h=11 m=47
